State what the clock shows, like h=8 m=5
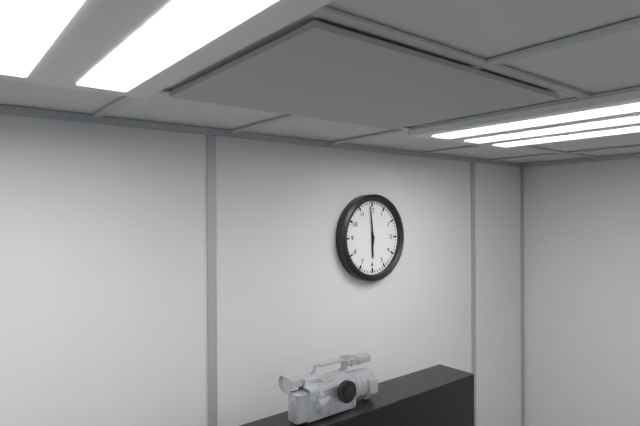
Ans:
h=5 m=59
